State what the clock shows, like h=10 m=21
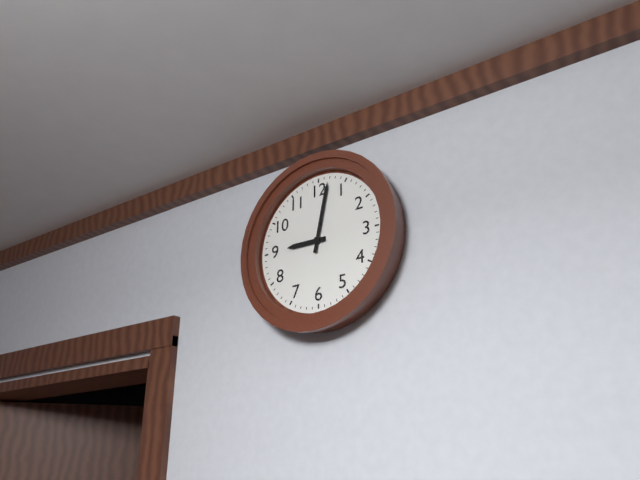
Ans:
h=9 m=2
